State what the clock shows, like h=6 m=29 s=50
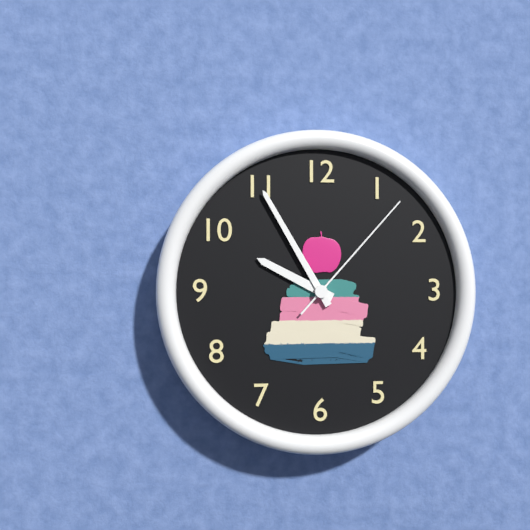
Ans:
h=9 m=55 s=7
